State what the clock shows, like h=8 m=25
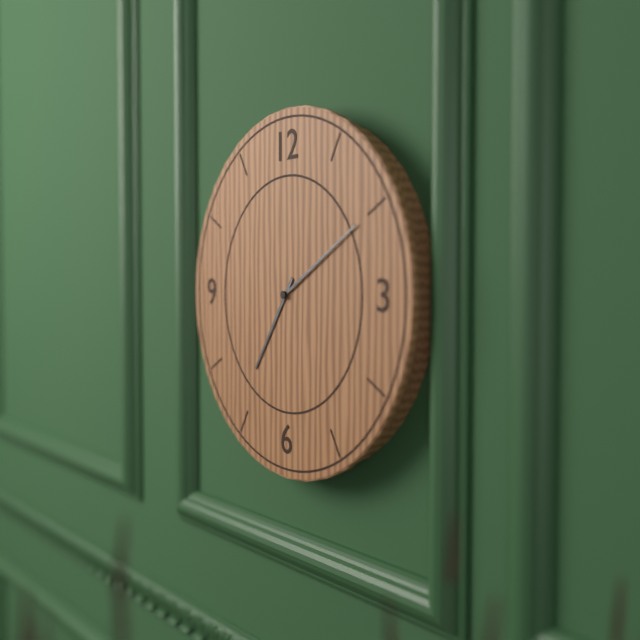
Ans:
h=7 m=10
